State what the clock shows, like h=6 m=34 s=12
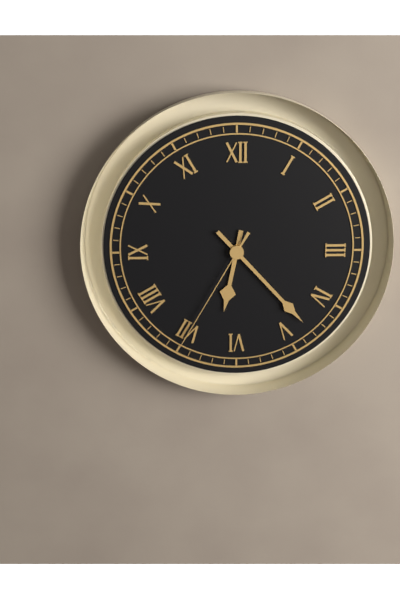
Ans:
h=6 m=23 s=35
